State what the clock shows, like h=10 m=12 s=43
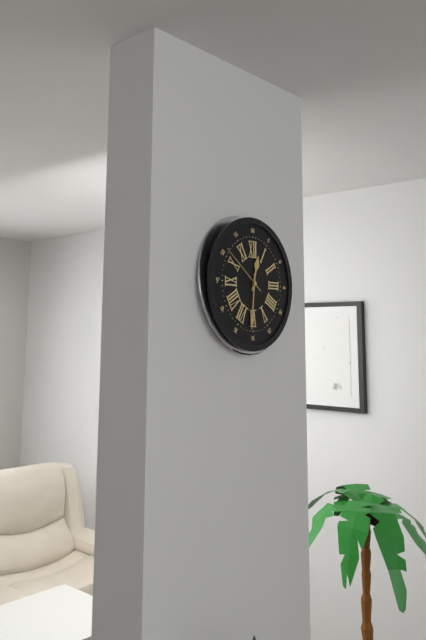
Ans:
h=12 m=31 s=51
